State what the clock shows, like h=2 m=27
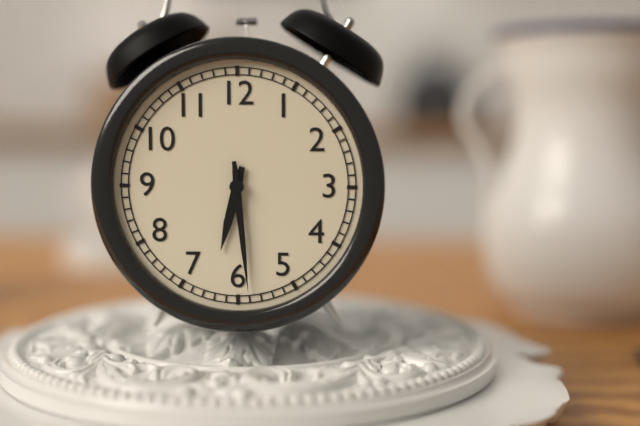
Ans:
h=6 m=29
